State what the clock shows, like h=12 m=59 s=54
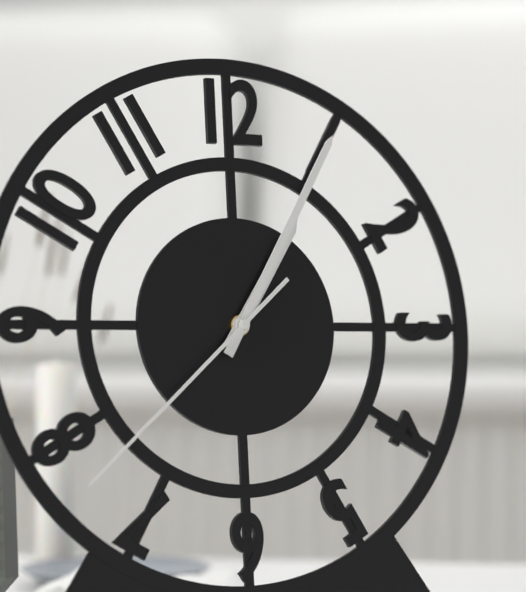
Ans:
h=1 m=5 s=38
